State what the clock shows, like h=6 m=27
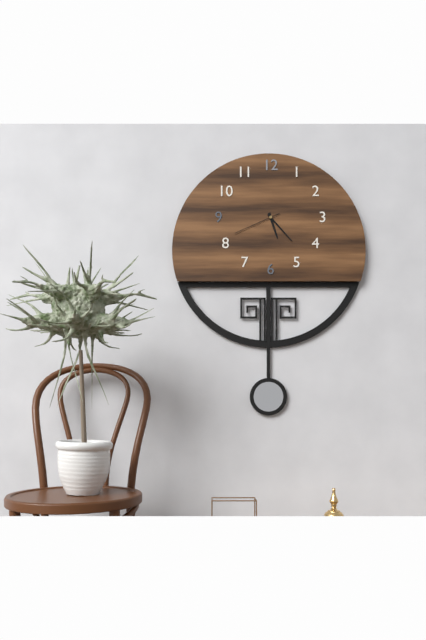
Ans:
h=5 m=23
